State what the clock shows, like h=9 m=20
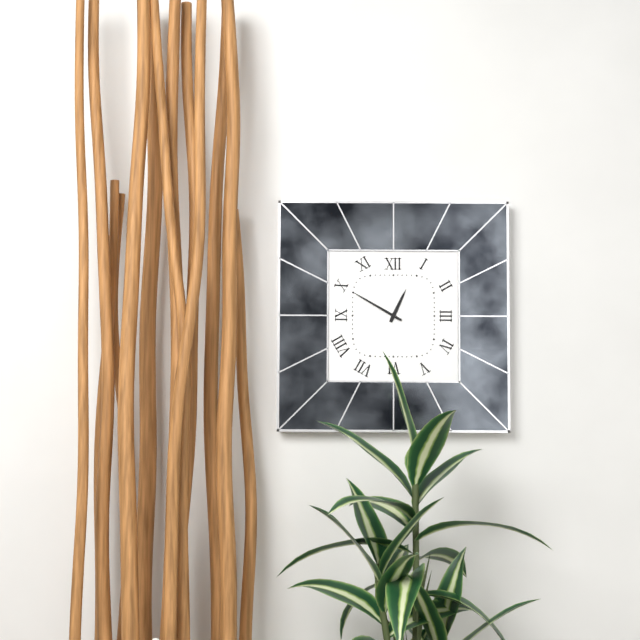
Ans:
h=12 m=50
